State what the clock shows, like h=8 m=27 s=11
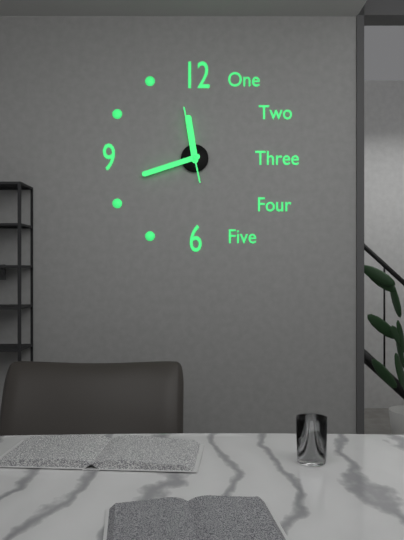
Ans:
h=11 m=42 s=58
